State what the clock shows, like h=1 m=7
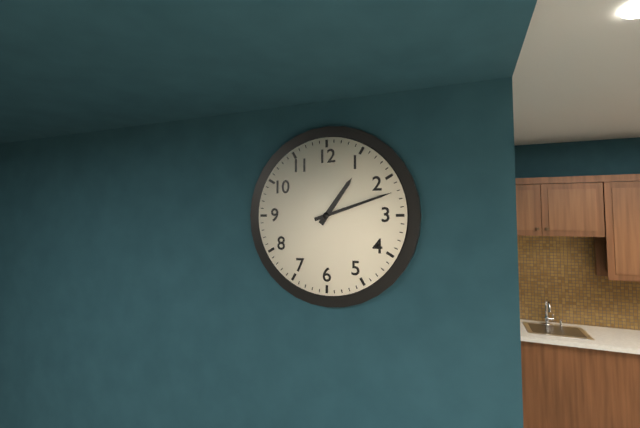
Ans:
h=1 m=12
